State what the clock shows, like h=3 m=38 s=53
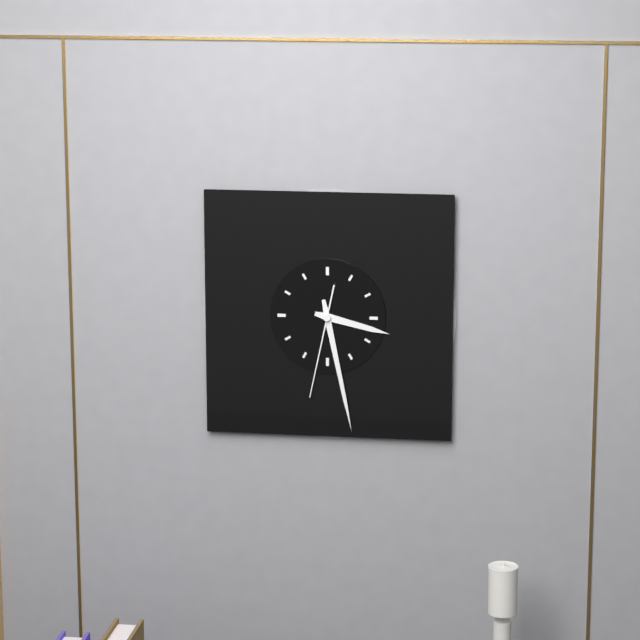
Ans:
h=3 m=28 s=32
